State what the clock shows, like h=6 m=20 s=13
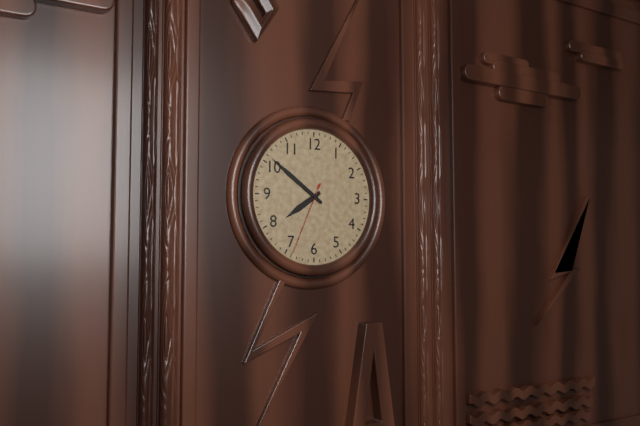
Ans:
h=7 m=51 s=34
